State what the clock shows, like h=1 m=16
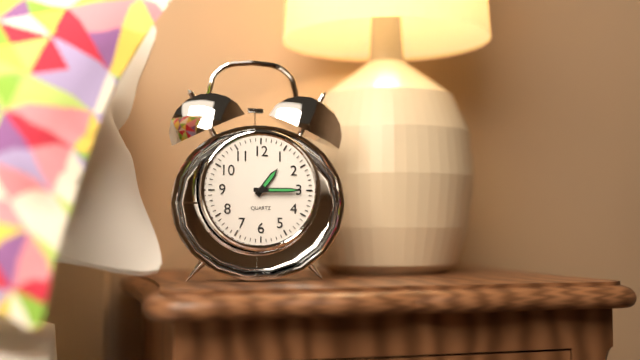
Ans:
h=1 m=15
